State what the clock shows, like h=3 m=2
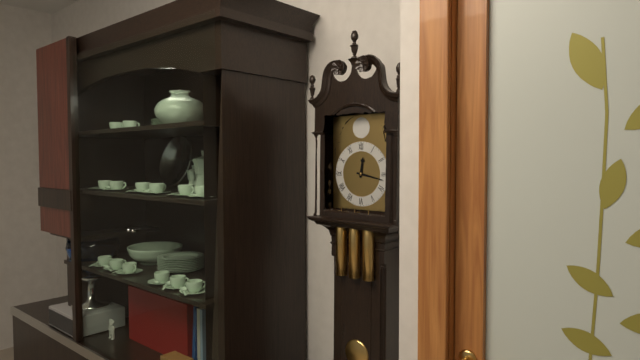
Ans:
h=12 m=17
